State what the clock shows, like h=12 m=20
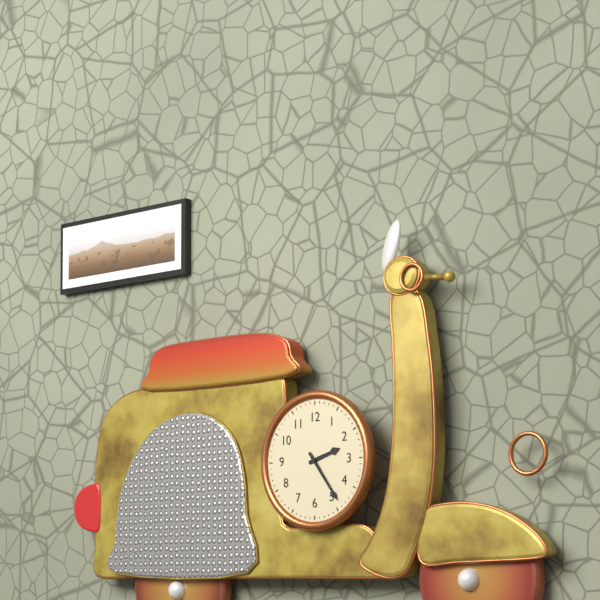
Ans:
h=2 m=24
